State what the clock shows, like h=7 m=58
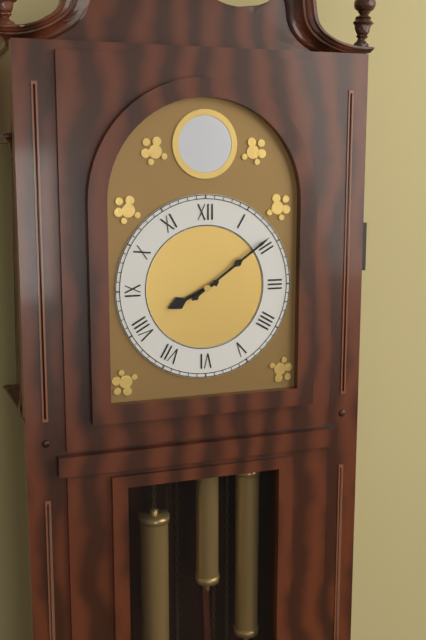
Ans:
h=8 m=9
